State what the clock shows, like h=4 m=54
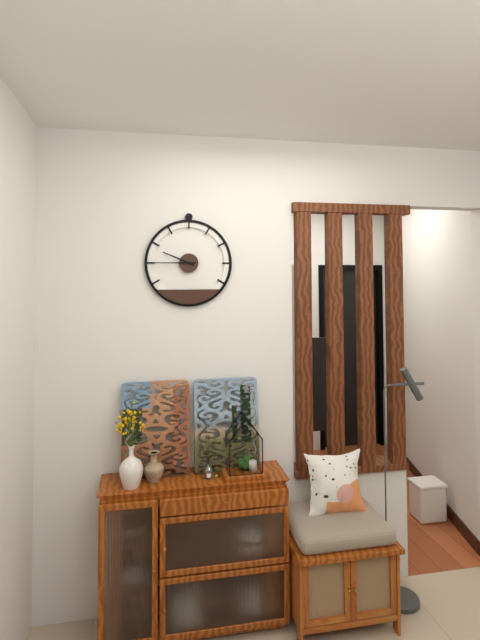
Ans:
h=9 m=45
